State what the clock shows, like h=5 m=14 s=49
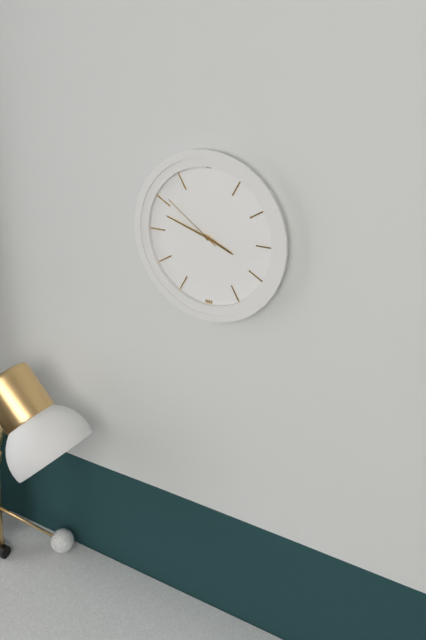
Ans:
h=3 m=48 s=51
